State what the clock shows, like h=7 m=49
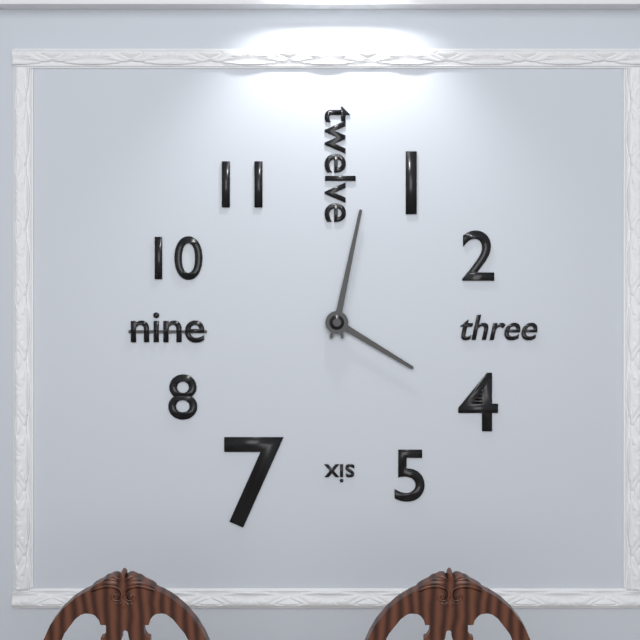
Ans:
h=4 m=2
